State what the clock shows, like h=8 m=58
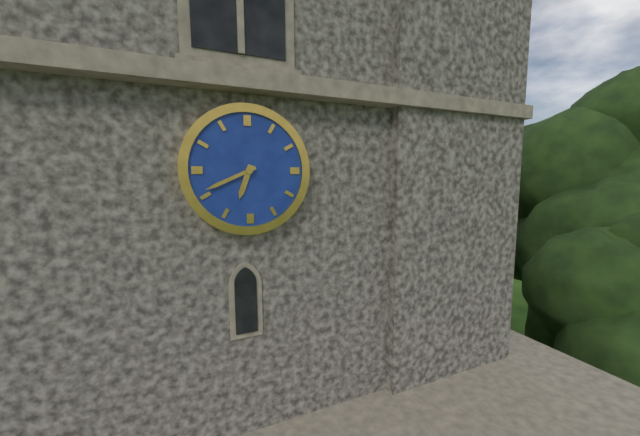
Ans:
h=6 m=41
